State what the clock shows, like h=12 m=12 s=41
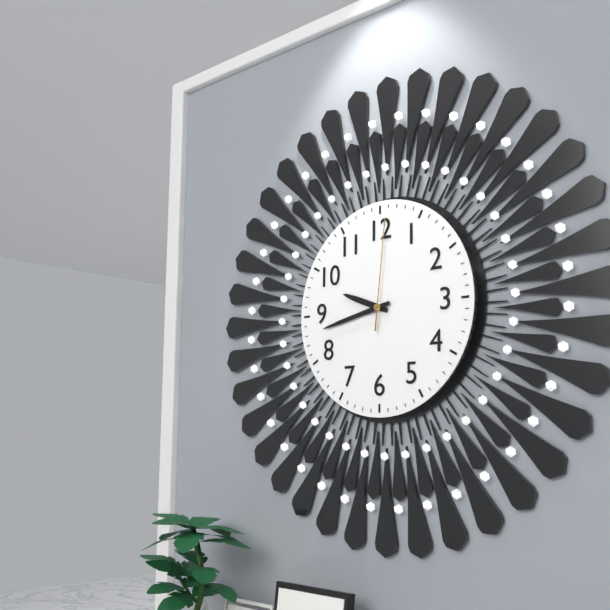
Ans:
h=9 m=43 s=1
